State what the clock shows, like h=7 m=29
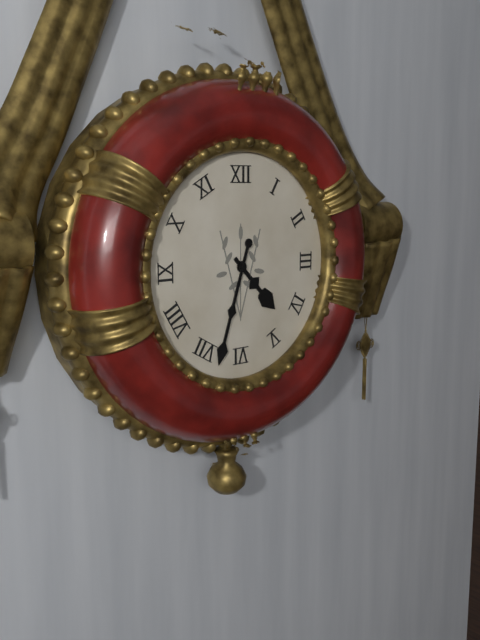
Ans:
h=4 m=33
